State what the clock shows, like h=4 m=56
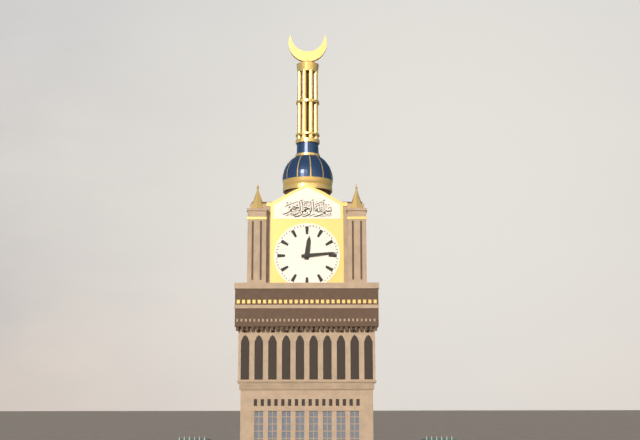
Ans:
h=12 m=14
